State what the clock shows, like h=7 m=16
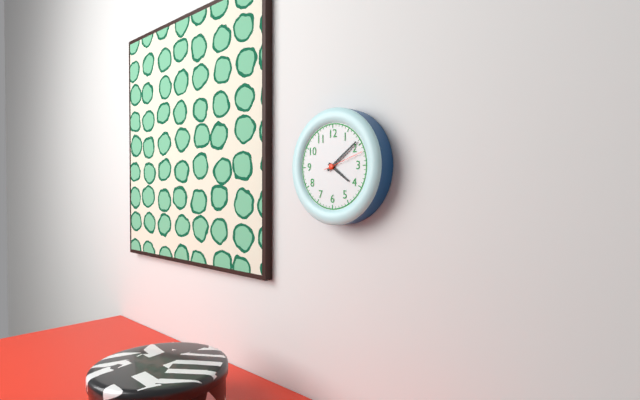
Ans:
h=4 m=9
